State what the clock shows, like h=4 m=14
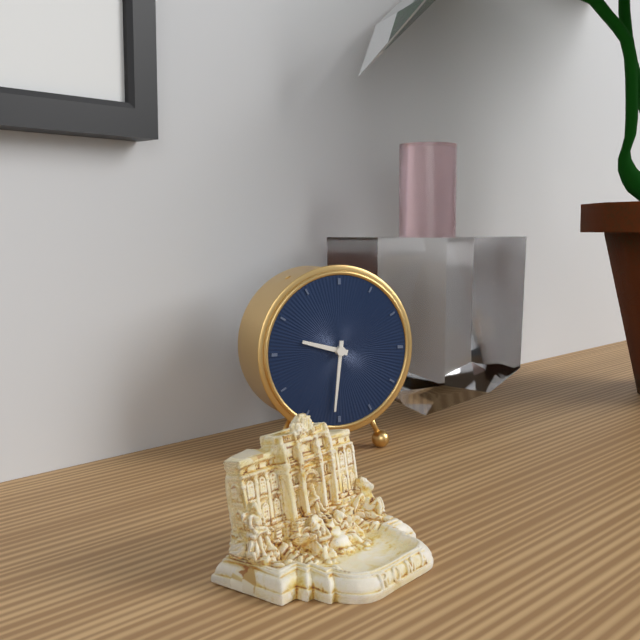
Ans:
h=9 m=31
